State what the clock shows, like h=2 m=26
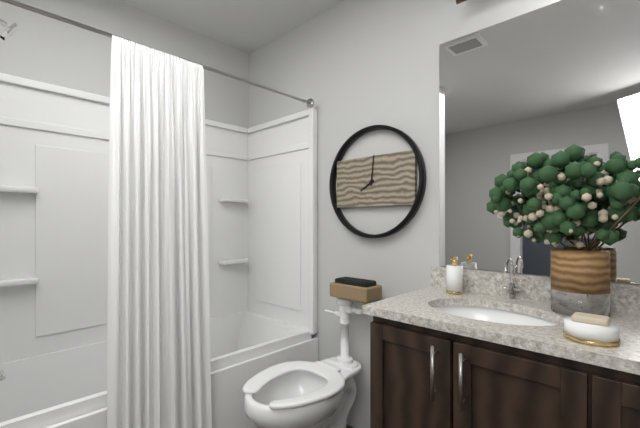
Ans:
h=8 m=1
